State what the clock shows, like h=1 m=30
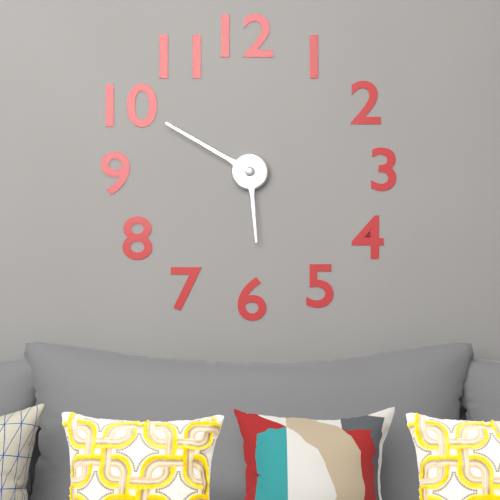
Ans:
h=5 m=50
